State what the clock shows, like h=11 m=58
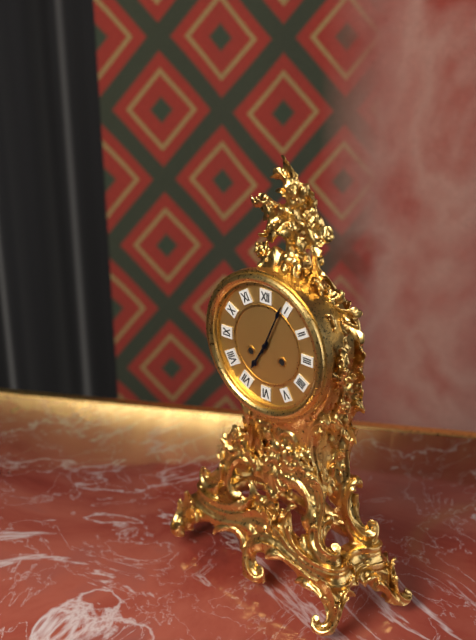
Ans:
h=7 m=4
